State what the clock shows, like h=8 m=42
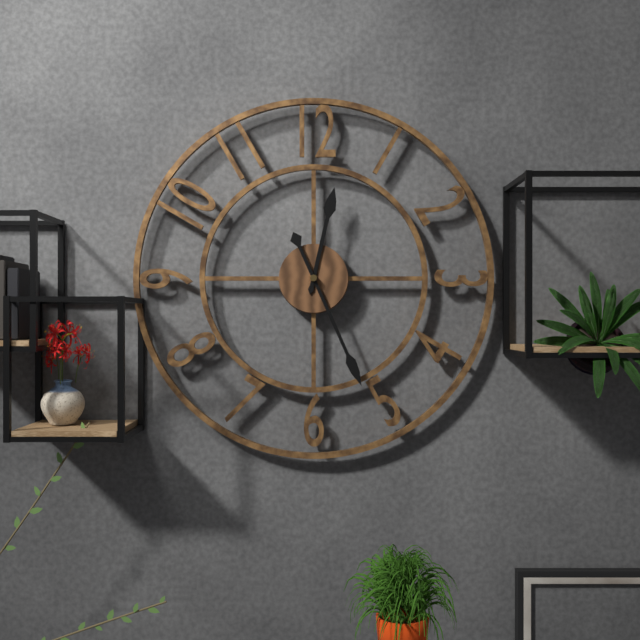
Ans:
h=12 m=26
